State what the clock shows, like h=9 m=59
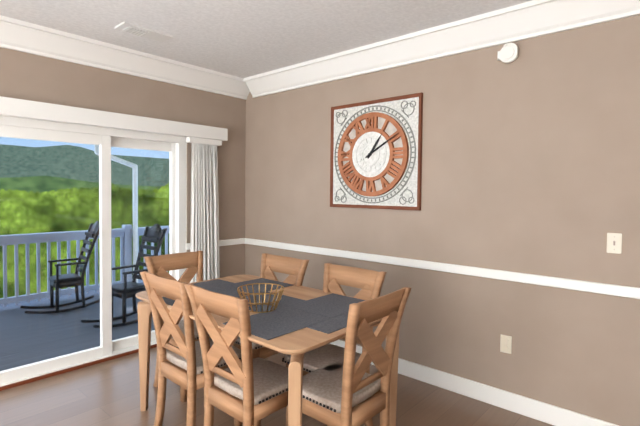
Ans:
h=1 m=10
